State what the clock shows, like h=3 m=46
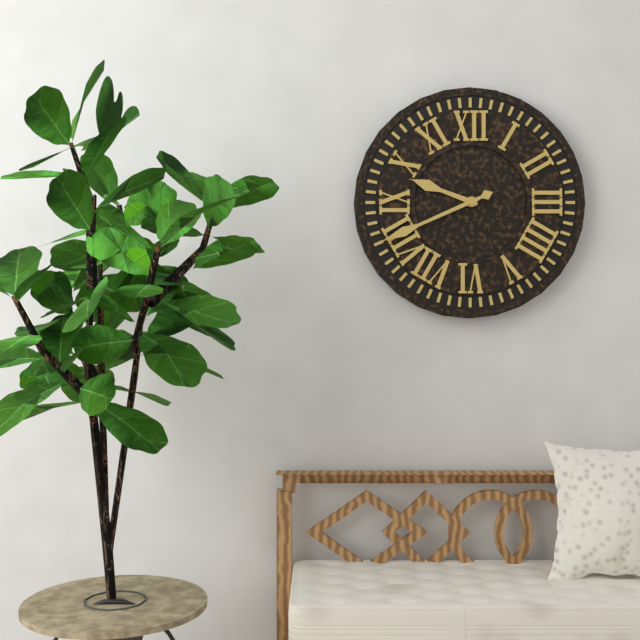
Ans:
h=9 m=41
